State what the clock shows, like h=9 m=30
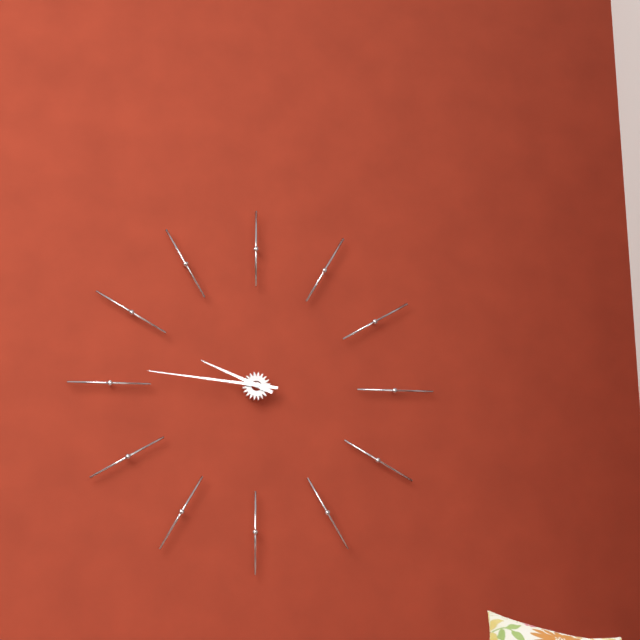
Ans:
h=9 m=46
